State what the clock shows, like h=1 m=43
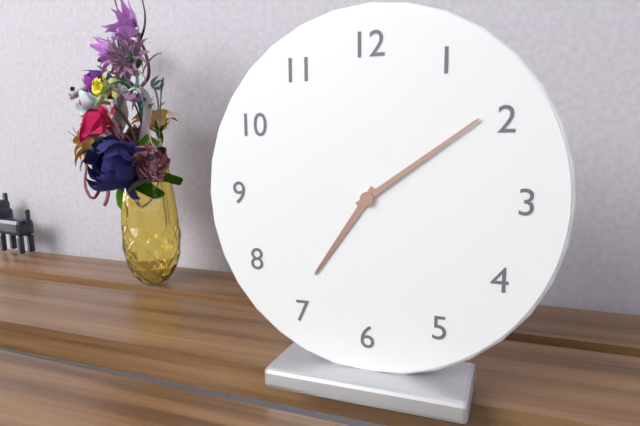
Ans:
h=7 m=9
